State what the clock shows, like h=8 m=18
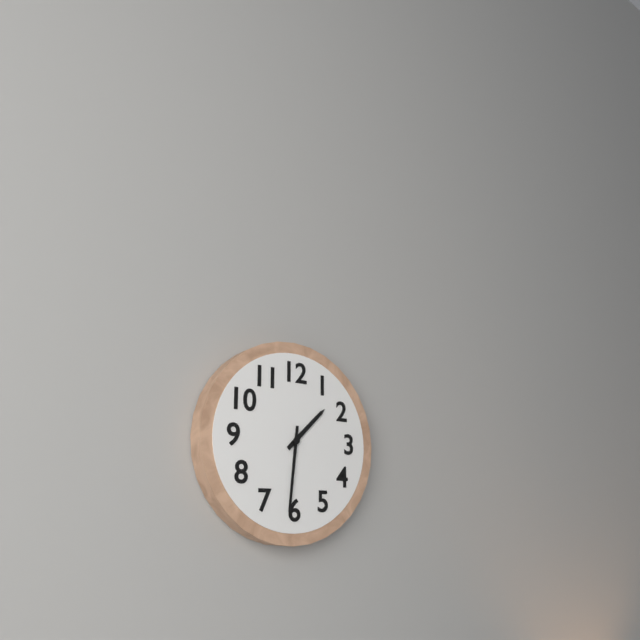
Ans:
h=1 m=31
